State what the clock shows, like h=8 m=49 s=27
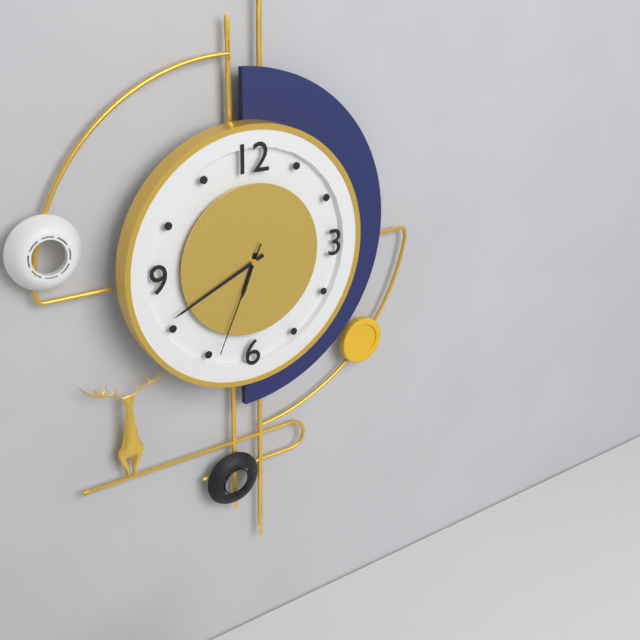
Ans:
h=6 m=41 s=34
